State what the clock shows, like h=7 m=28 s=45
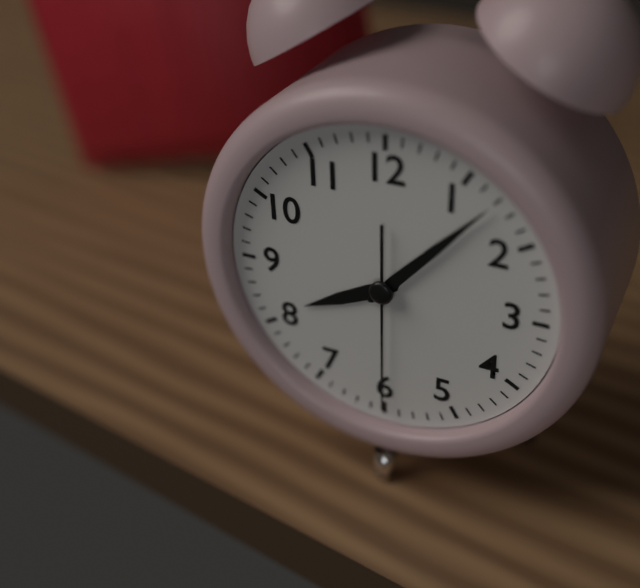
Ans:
h=8 m=7 s=30
